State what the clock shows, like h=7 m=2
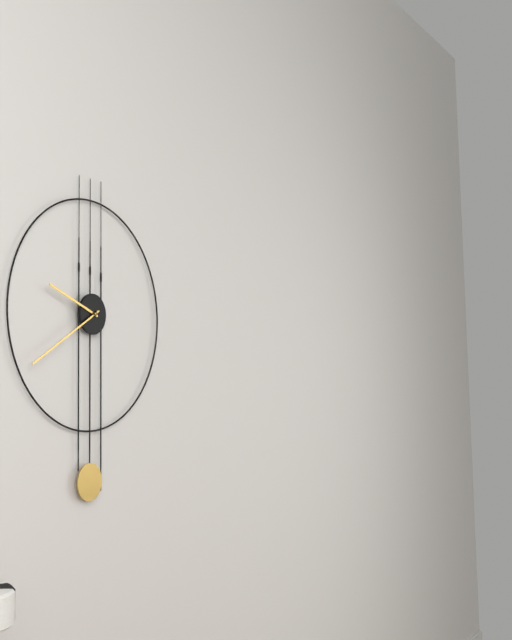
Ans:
h=9 m=40
